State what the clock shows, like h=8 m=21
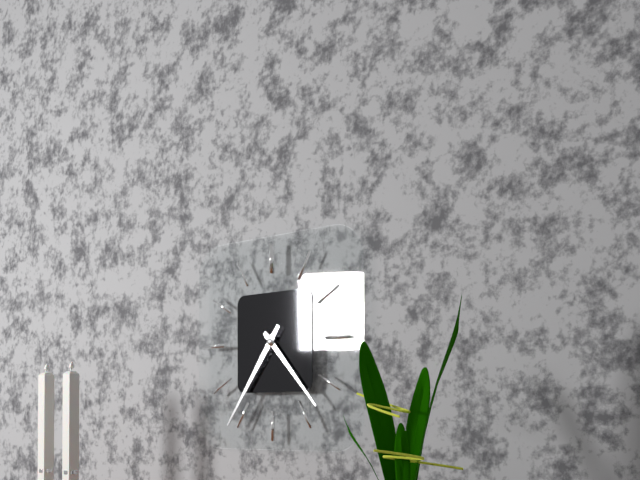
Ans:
h=4 m=36
